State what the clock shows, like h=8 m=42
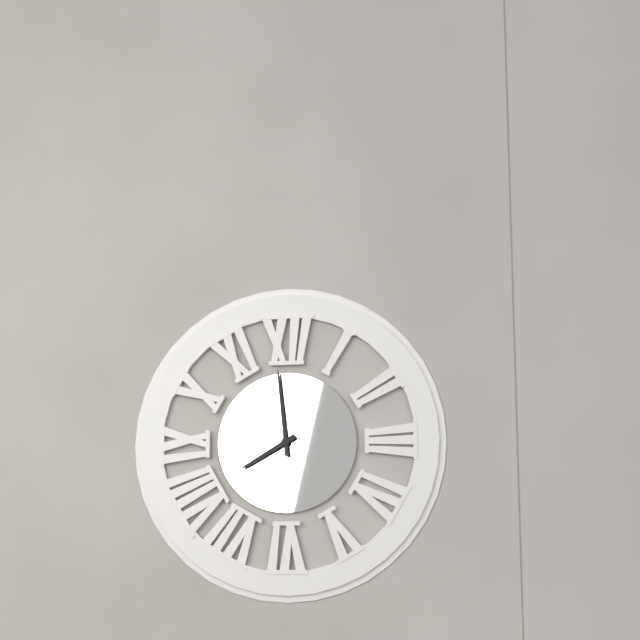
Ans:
h=7 m=59
